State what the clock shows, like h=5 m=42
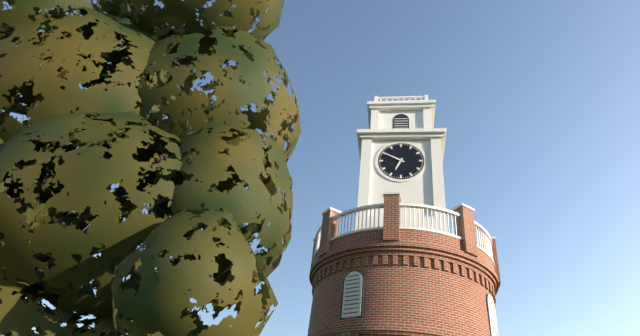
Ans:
h=6 m=50
